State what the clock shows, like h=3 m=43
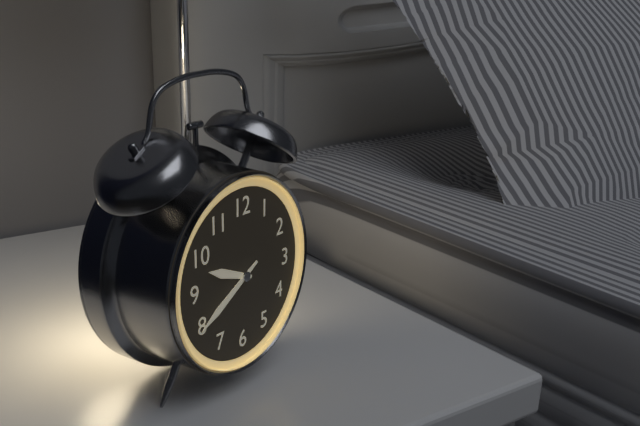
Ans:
h=9 m=40
